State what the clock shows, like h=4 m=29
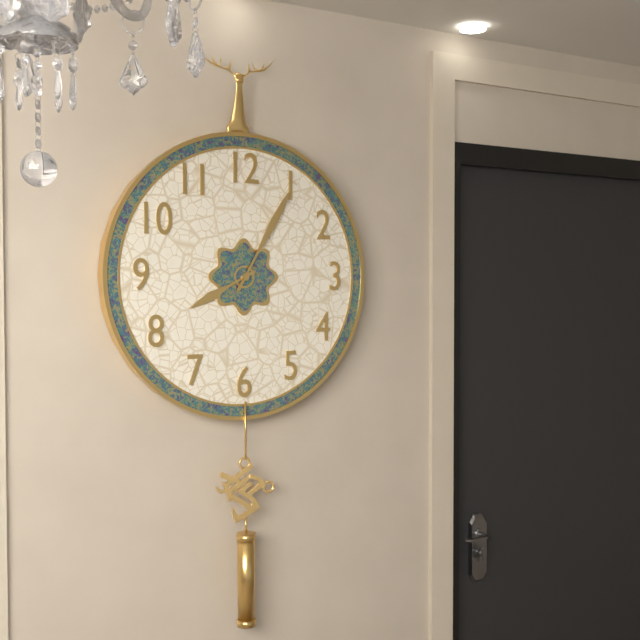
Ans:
h=8 m=5
